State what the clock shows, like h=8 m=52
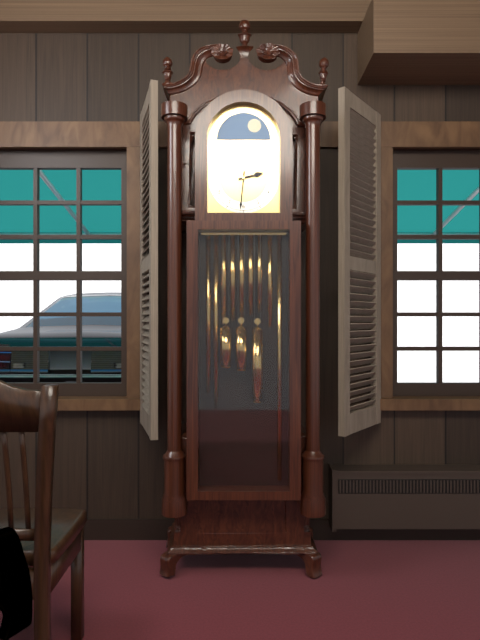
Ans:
h=2 m=31
